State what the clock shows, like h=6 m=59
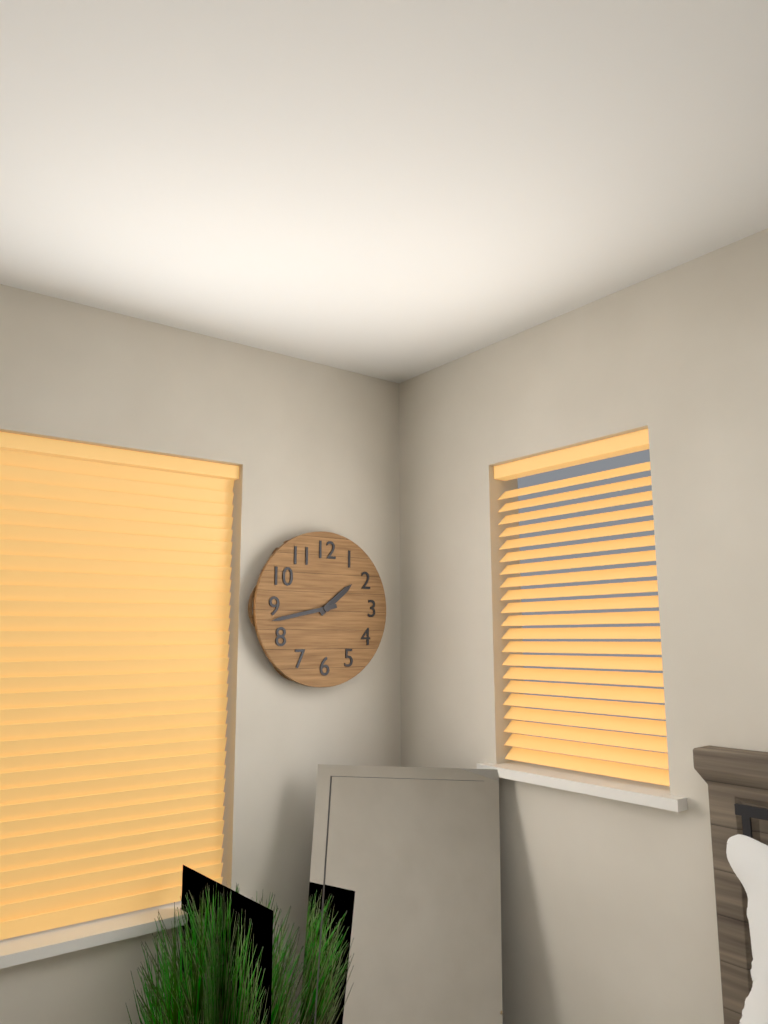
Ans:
h=1 m=43
